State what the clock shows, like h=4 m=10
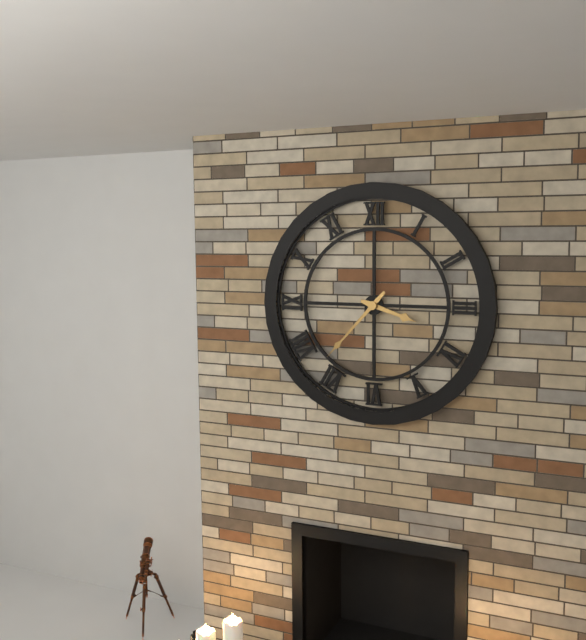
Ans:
h=3 m=37
